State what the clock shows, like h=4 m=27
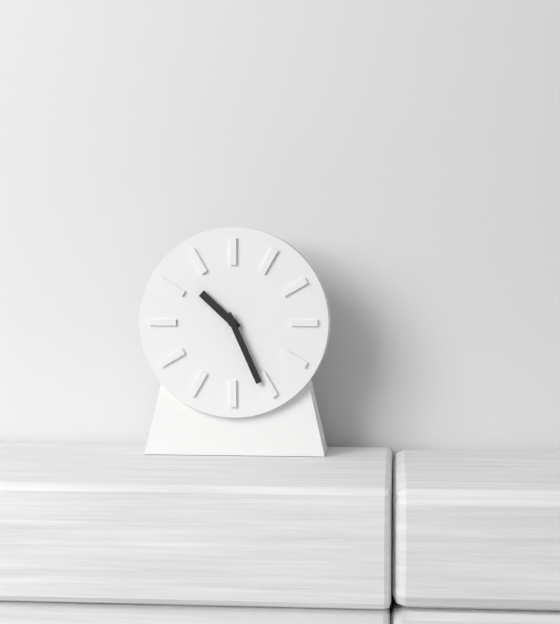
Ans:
h=10 m=26
